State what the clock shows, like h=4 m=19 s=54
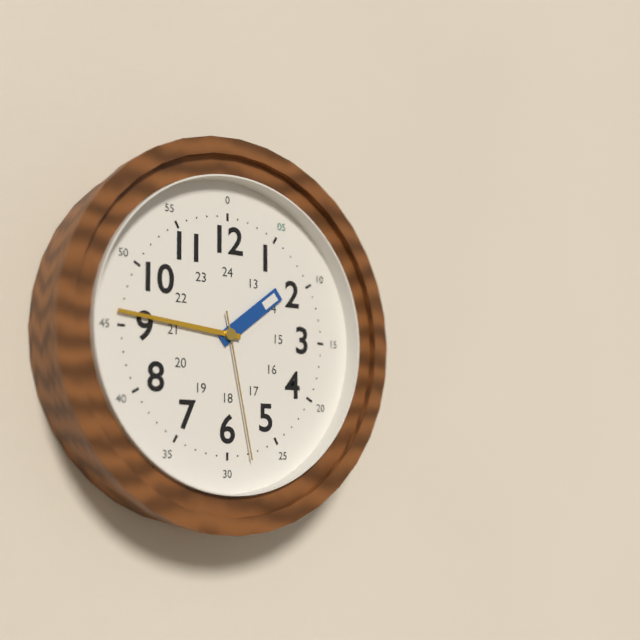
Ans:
h=1 m=46 s=28
